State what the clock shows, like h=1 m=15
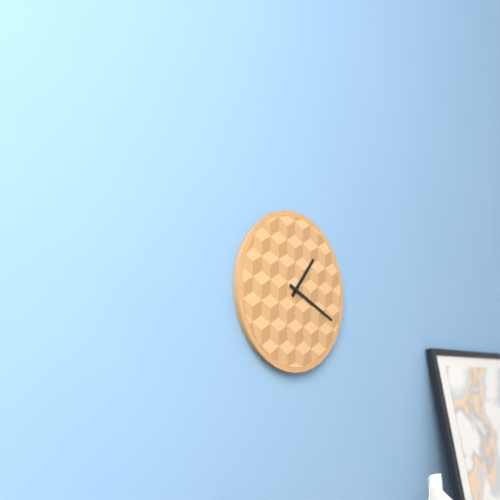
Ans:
h=1 m=19
